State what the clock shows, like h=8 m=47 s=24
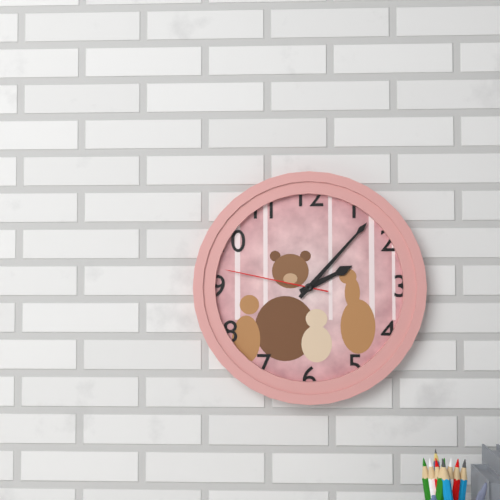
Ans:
h=2 m=7 s=47
